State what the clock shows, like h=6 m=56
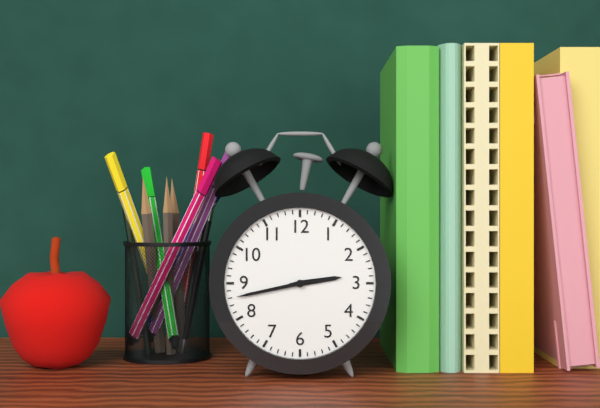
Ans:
h=2 m=43
